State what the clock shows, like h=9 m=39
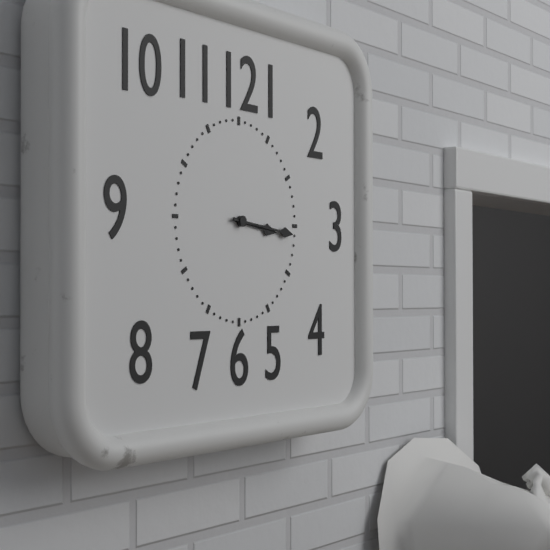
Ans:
h=3 m=16
